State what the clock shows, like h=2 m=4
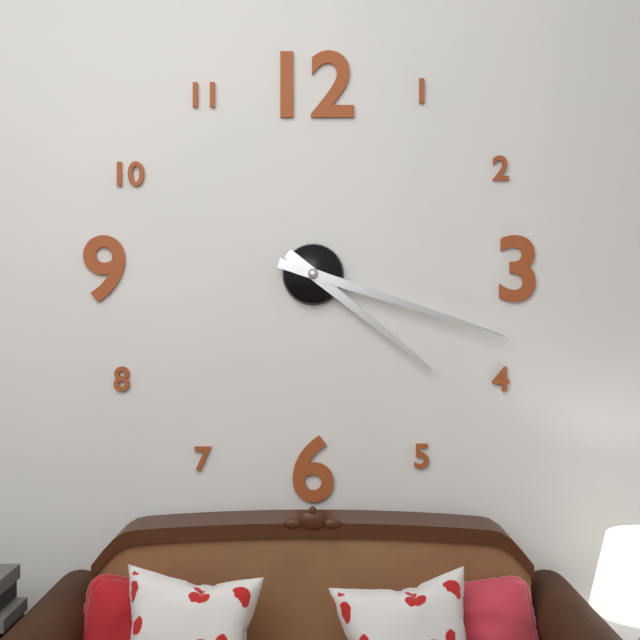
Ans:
h=4 m=18
